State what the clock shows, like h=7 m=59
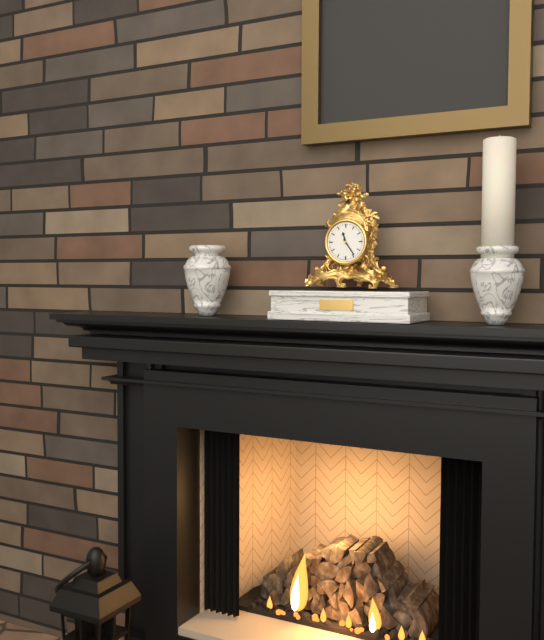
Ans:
h=11 m=24
